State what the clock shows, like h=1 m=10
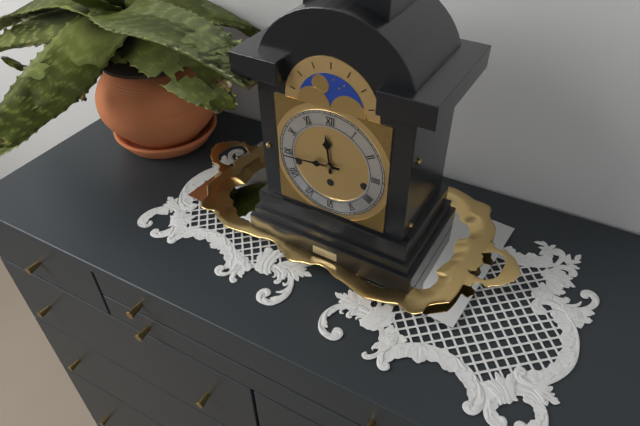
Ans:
h=11 m=44
